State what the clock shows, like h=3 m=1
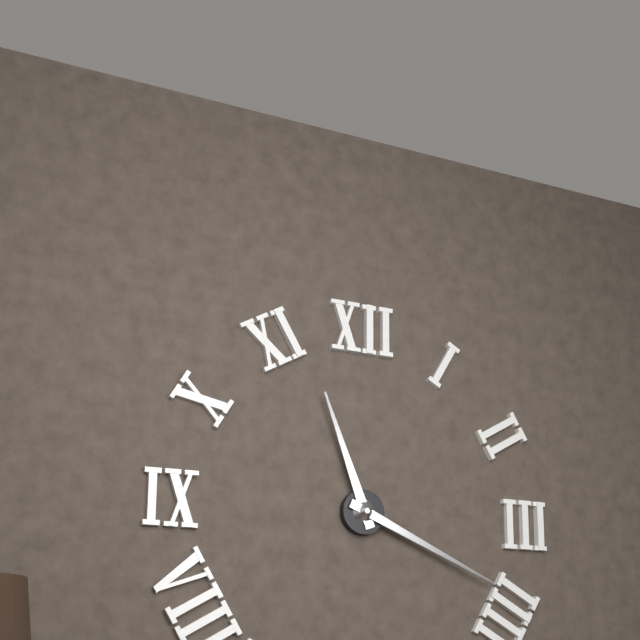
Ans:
h=11 m=19
